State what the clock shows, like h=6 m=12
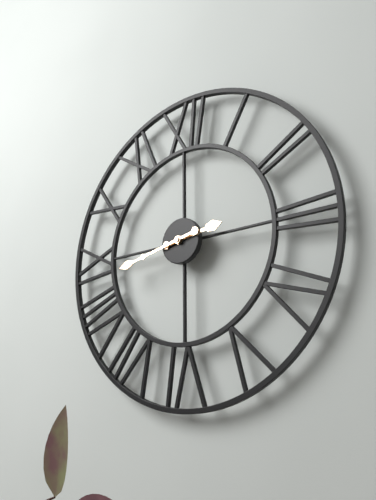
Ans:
h=2 m=43
